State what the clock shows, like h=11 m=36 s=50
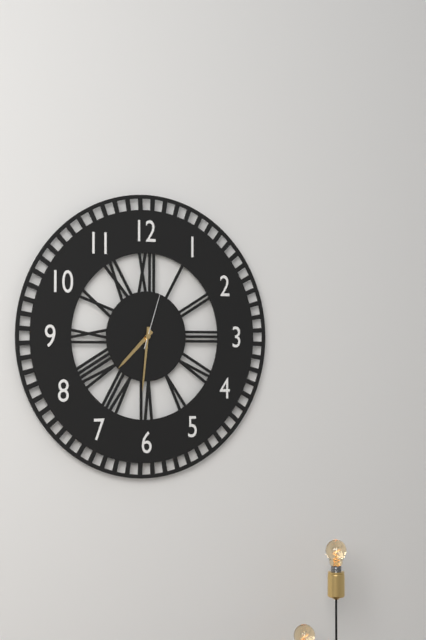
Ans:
h=7 m=31 s=3
